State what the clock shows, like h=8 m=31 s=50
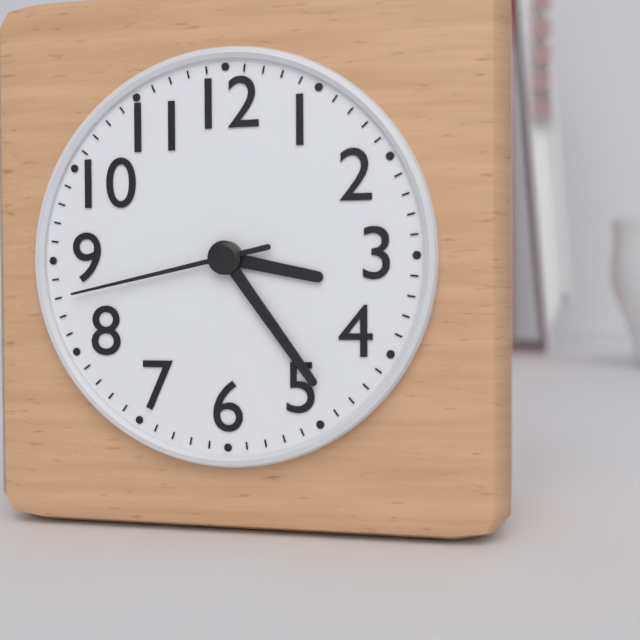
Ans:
h=3 m=24 s=43
